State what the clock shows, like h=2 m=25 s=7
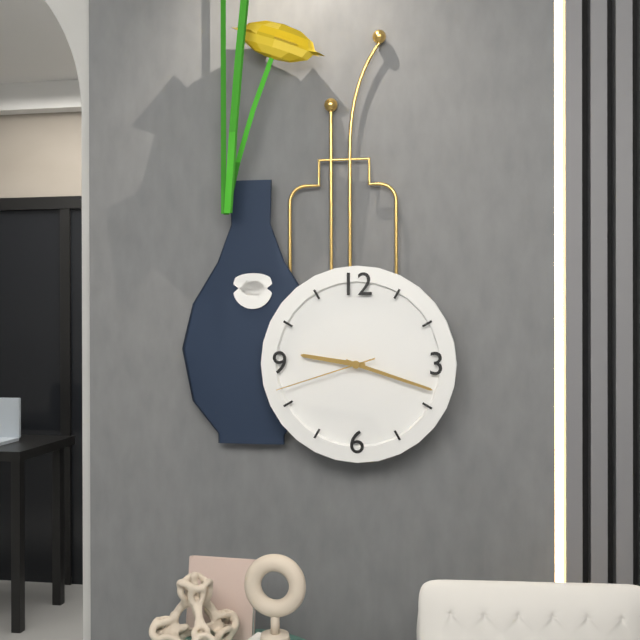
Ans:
h=9 m=18 s=42
